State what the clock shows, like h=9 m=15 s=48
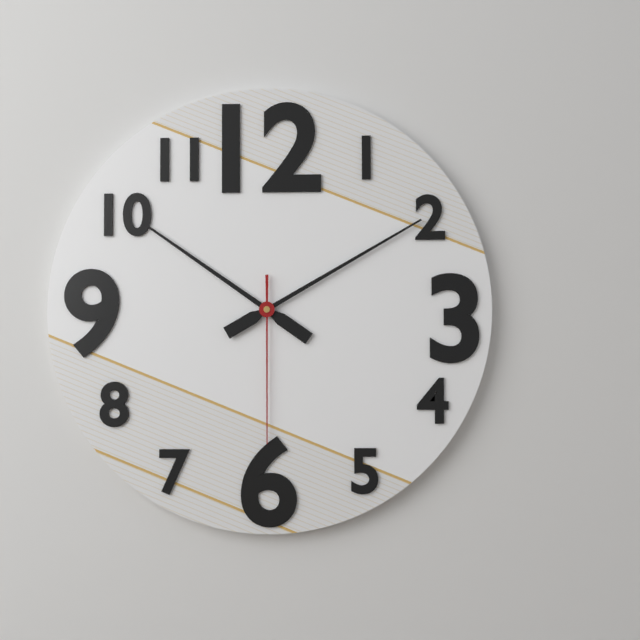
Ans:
h=10 m=10 s=30
